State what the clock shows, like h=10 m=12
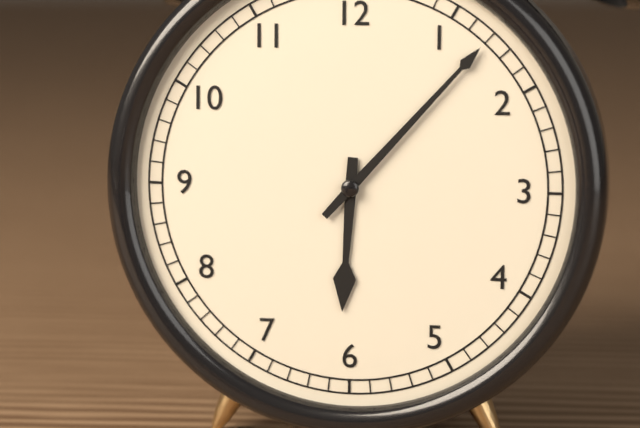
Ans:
h=6 m=7
